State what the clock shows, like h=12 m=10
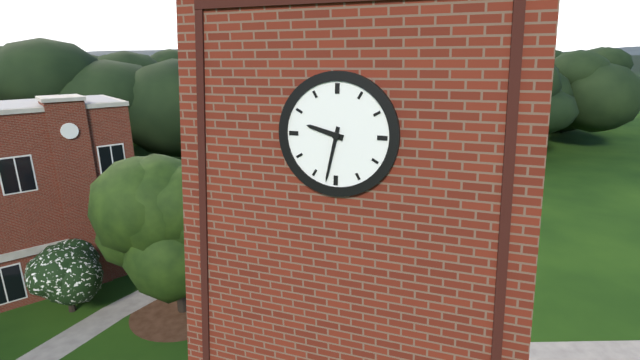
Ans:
h=9 m=32
